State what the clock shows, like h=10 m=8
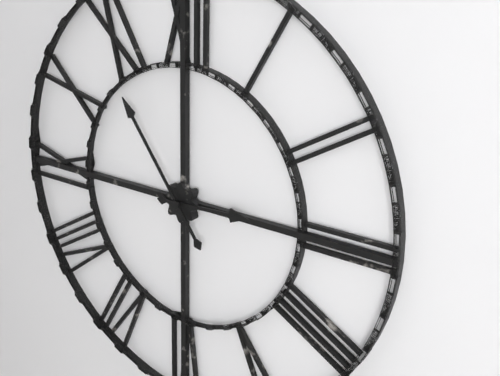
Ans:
h=2 m=54
